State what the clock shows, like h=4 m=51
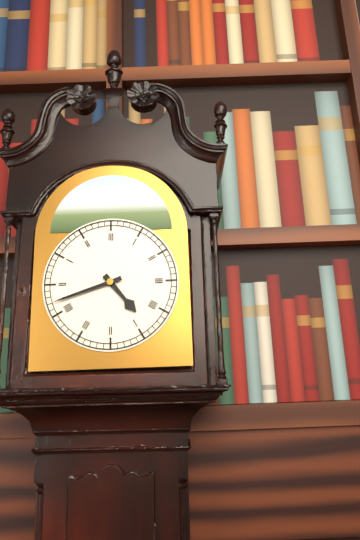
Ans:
h=4 m=42
